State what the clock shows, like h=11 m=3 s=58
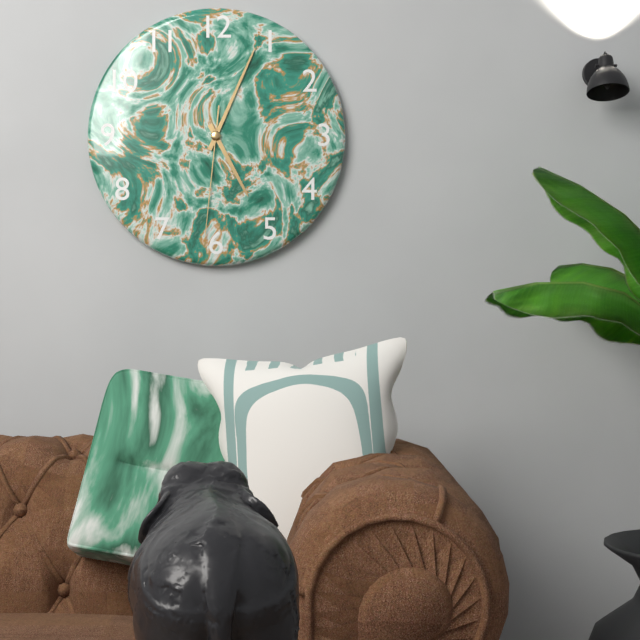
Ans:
h=5 m=4 s=31
